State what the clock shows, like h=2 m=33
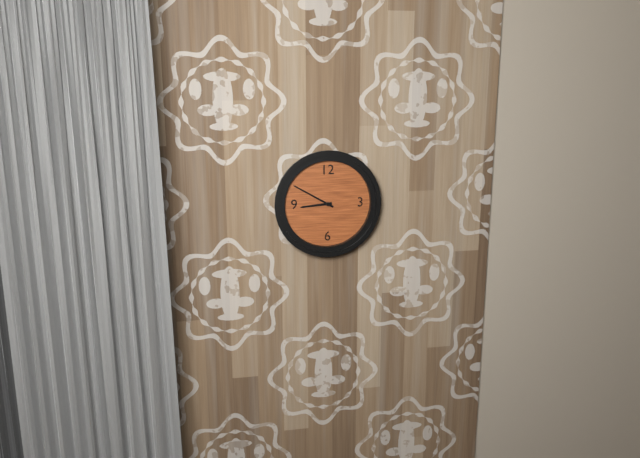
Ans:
h=8 m=50
